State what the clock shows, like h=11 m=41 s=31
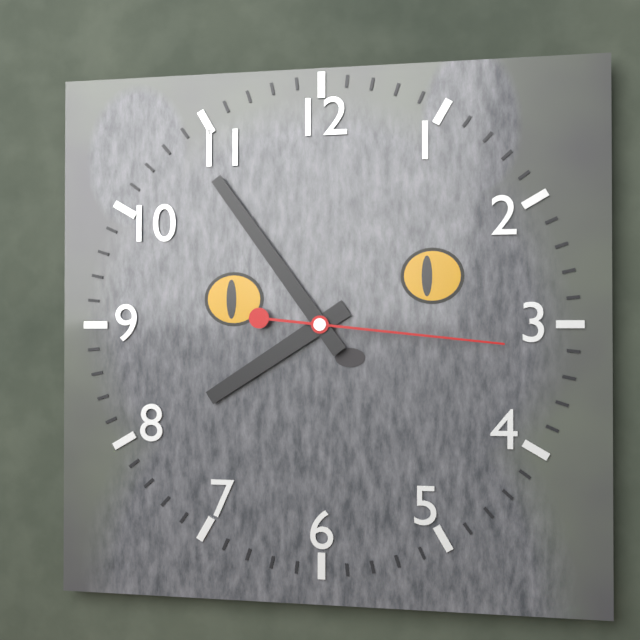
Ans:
h=7 m=54 s=16
